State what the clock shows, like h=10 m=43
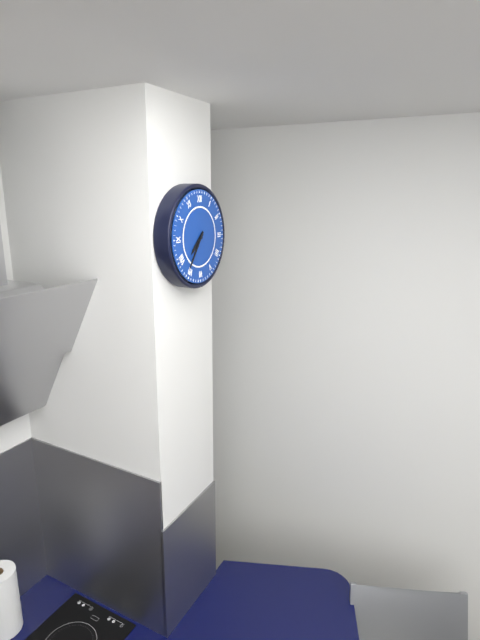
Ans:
h=7 m=36
